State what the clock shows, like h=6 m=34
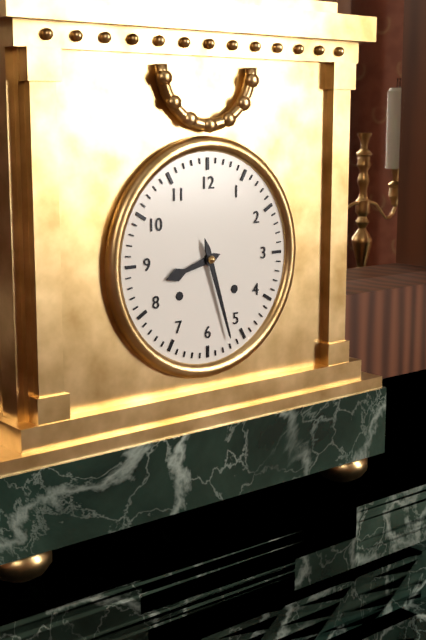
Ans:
h=8 m=27
